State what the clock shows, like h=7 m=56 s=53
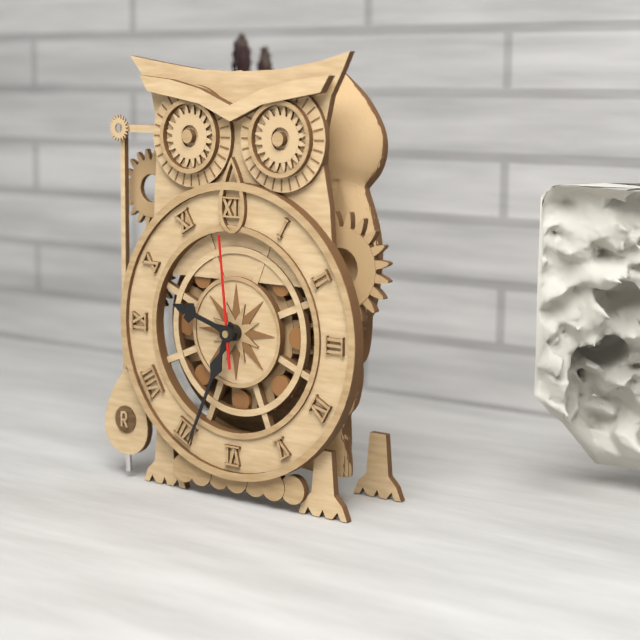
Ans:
h=9 m=34 s=59
